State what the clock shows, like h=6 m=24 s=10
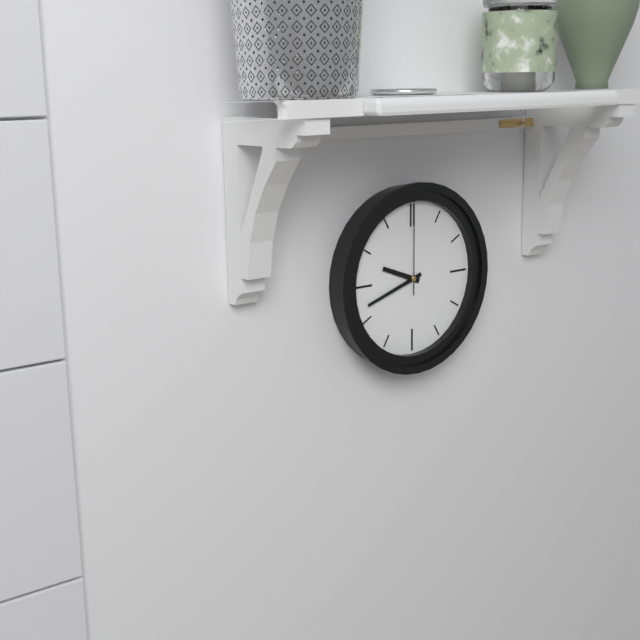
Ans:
h=9 m=42 s=0
